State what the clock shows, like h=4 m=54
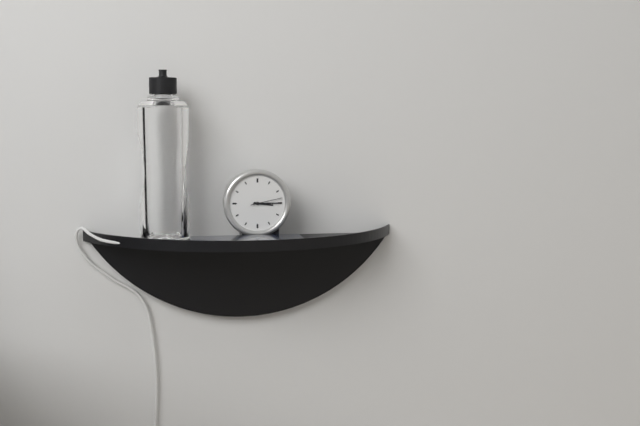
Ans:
h=3 m=15
